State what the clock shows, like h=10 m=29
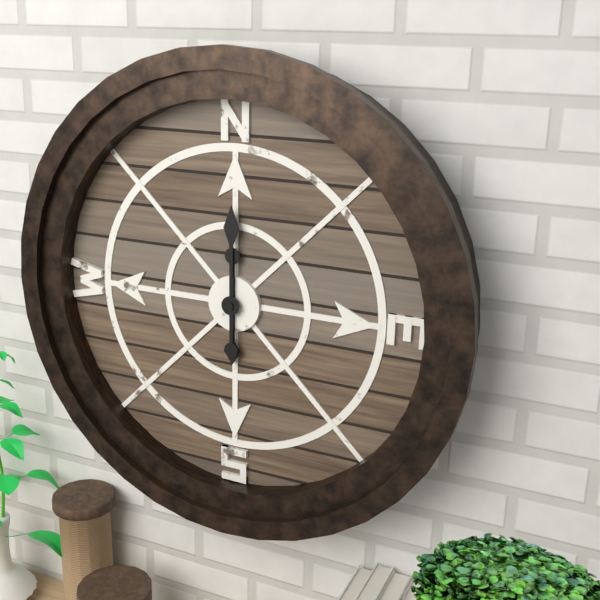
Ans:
h=6 m=0
